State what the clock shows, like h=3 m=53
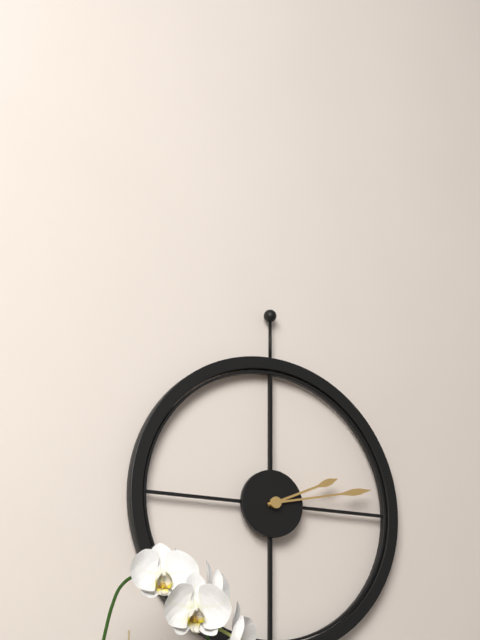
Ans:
h=2 m=13
